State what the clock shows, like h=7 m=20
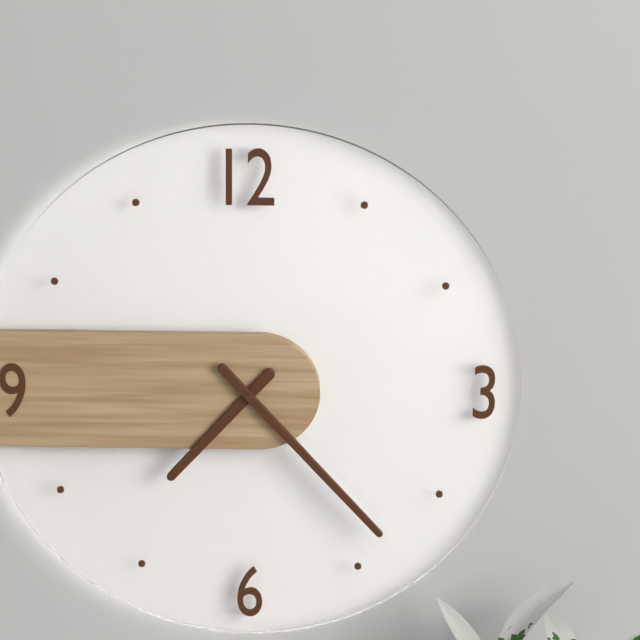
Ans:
h=7 m=23
